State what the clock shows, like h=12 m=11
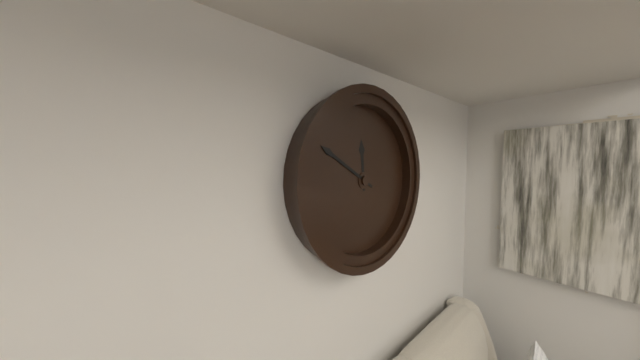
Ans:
h=11 m=50
